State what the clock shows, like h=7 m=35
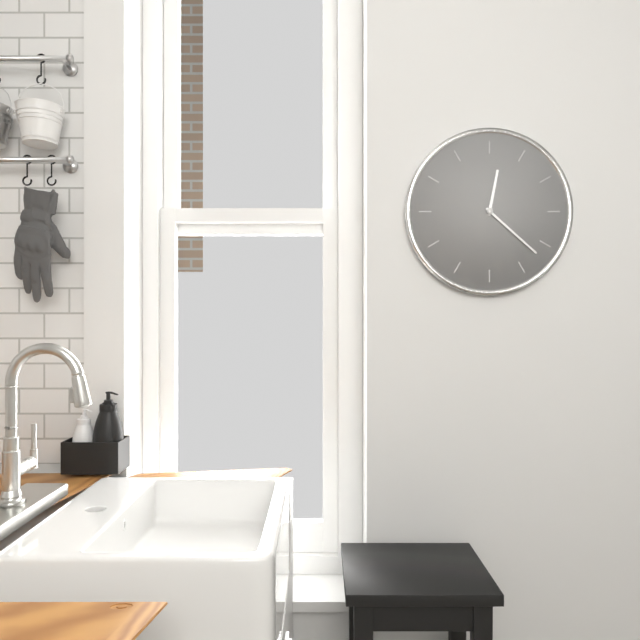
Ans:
h=12 m=22
